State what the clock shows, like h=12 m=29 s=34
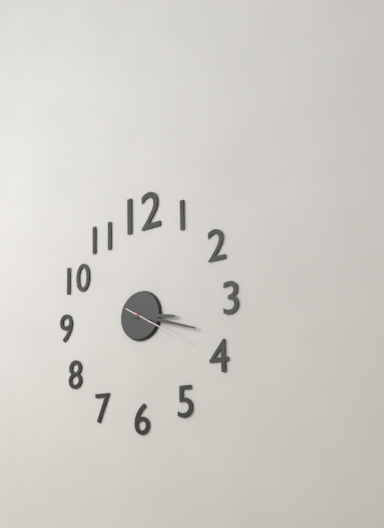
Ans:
h=3 m=18 s=20
